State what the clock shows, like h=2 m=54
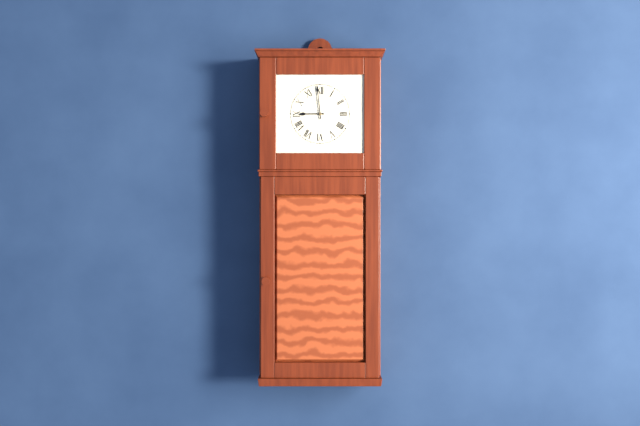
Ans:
h=8 m=59
